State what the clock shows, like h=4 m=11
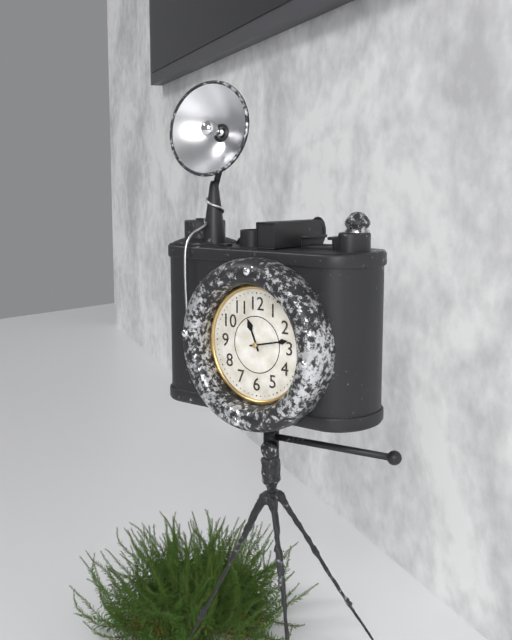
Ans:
h=11 m=13
